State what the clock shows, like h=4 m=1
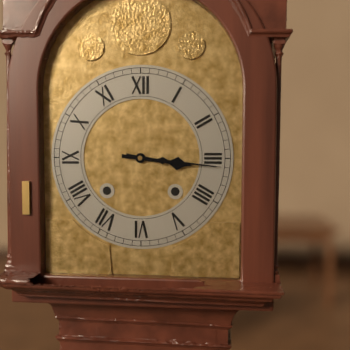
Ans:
h=3 m=16
